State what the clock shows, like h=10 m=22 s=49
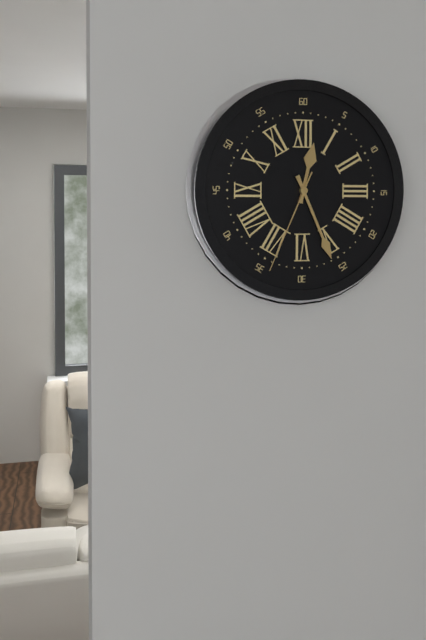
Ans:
h=12 m=26 s=34
